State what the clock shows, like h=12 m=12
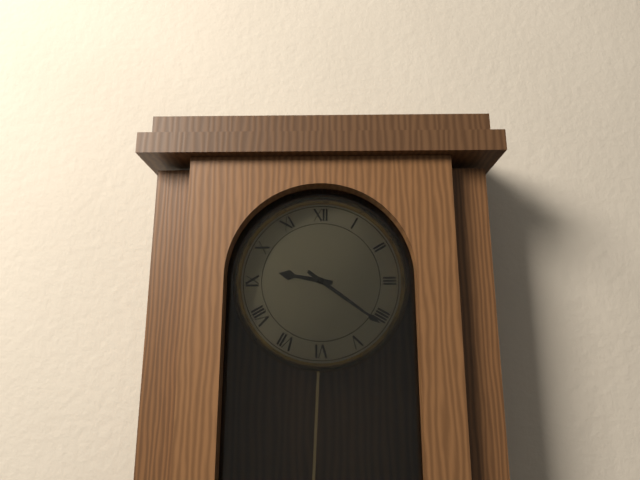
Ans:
h=9 m=21
